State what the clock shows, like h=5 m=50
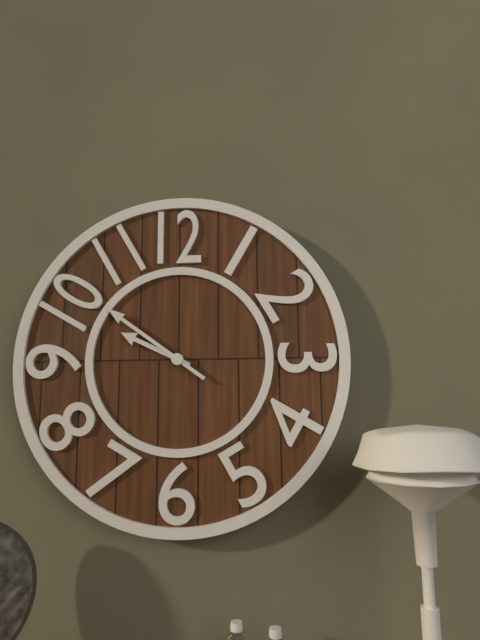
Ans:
h=9 m=51
